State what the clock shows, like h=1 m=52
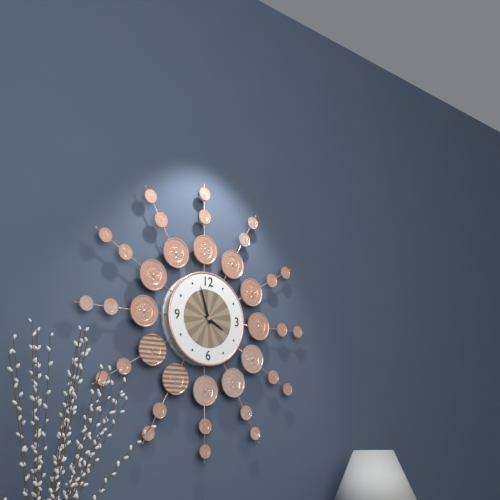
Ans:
h=3 m=57
